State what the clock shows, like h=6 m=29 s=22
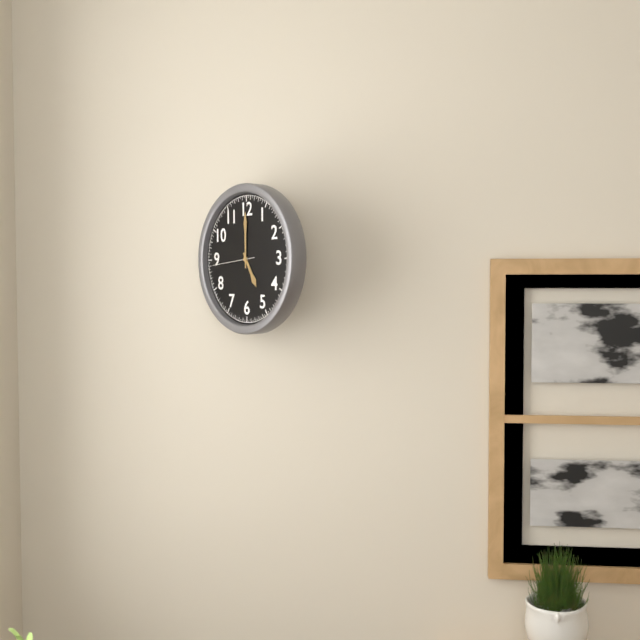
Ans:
h=5 m=0 s=44
